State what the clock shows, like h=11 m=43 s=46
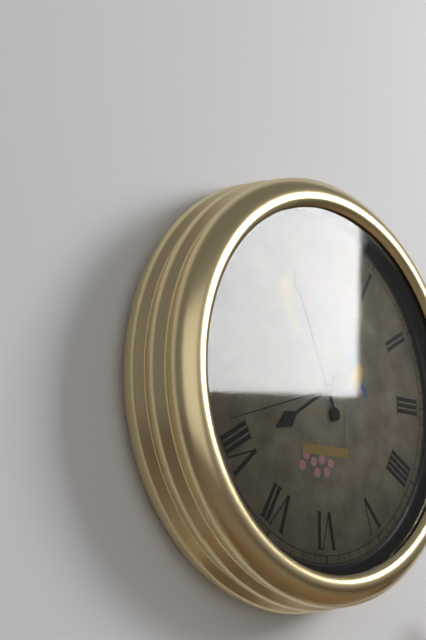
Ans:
h=7 m=56 s=42
